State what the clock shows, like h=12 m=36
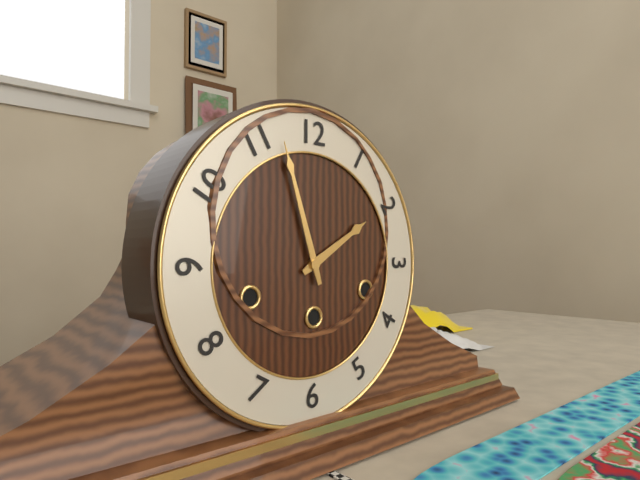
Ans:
h=1 m=57
